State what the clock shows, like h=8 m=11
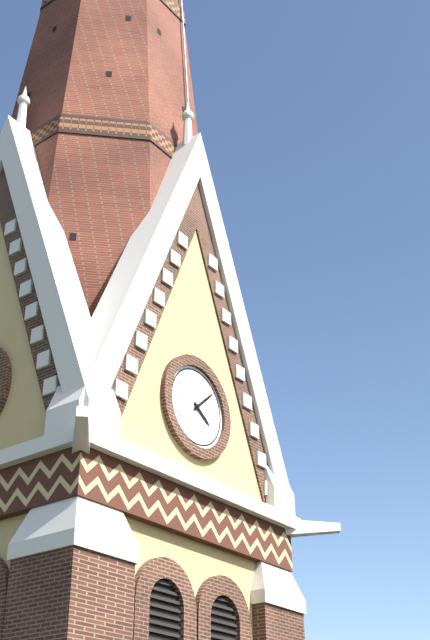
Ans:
h=4 m=8
